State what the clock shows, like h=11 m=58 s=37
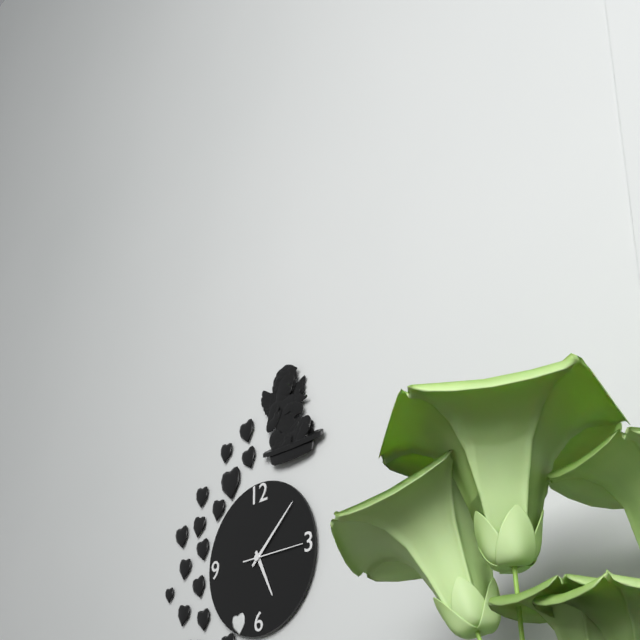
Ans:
h=5 m=8 s=15
